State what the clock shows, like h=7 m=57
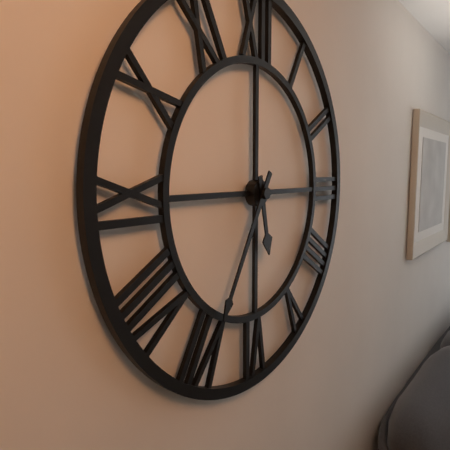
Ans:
h=5 m=35
